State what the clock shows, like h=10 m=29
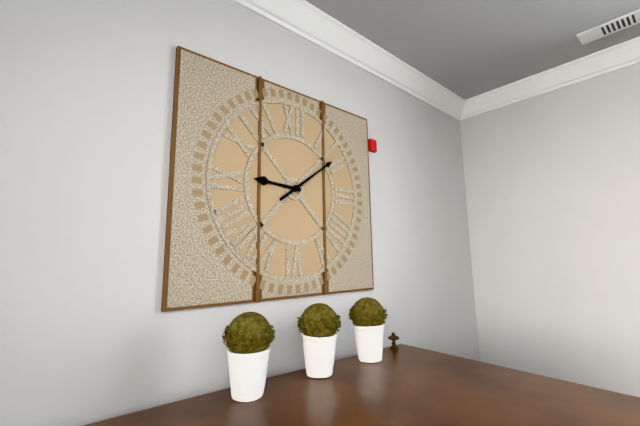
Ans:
h=9 m=9
